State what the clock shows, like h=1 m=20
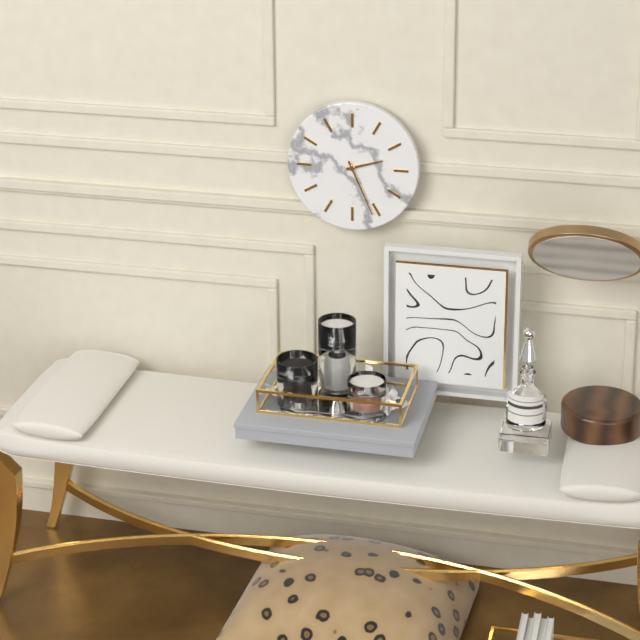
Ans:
h=2 m=26
